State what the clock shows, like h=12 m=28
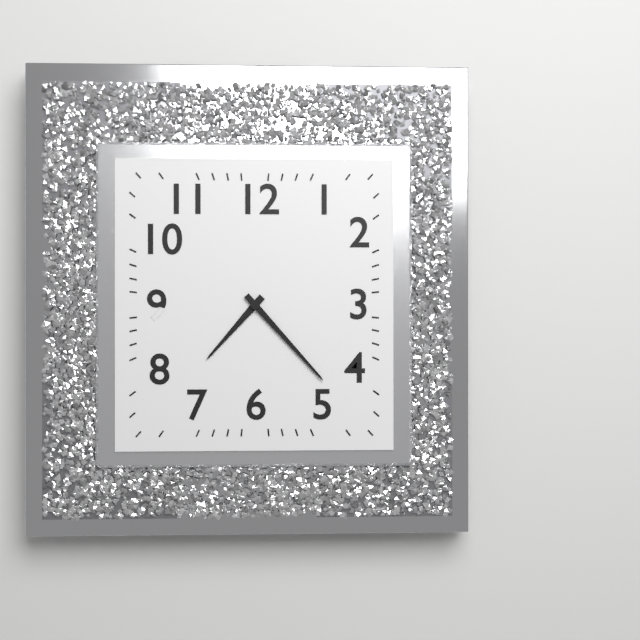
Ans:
h=7 m=23
